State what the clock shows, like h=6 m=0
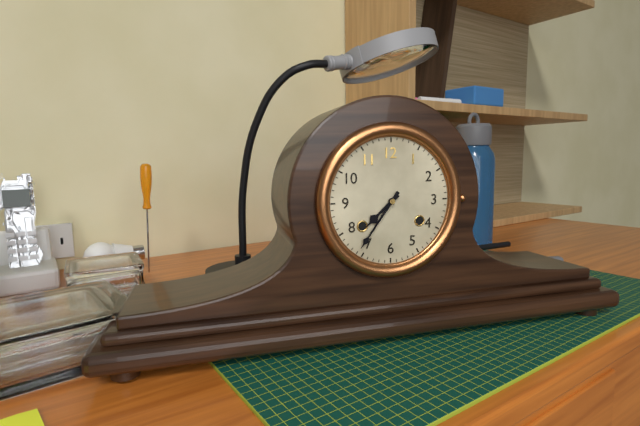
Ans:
h=7 m=36
